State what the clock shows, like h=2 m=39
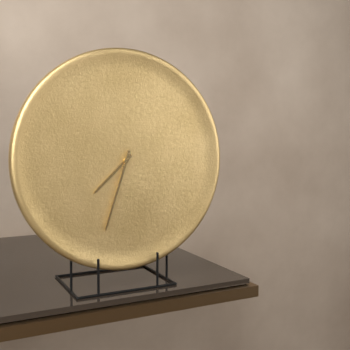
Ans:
h=7 m=33
